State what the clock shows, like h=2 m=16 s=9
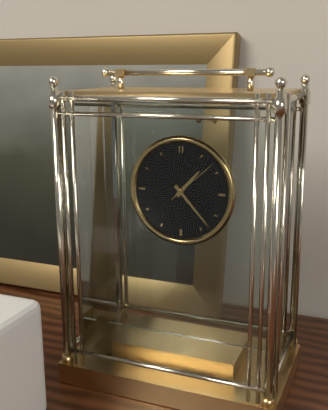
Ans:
h=1 m=23 s=8
